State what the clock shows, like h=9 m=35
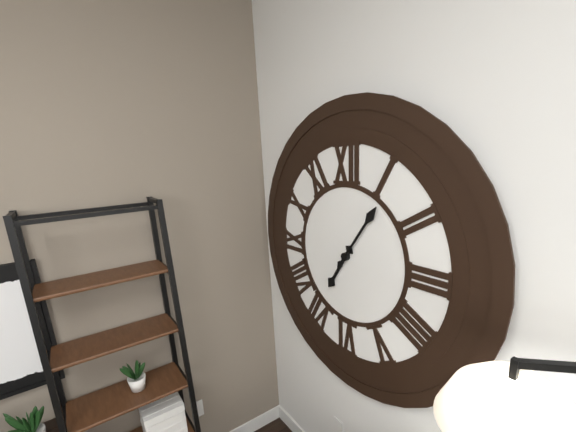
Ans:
h=7 m=6
